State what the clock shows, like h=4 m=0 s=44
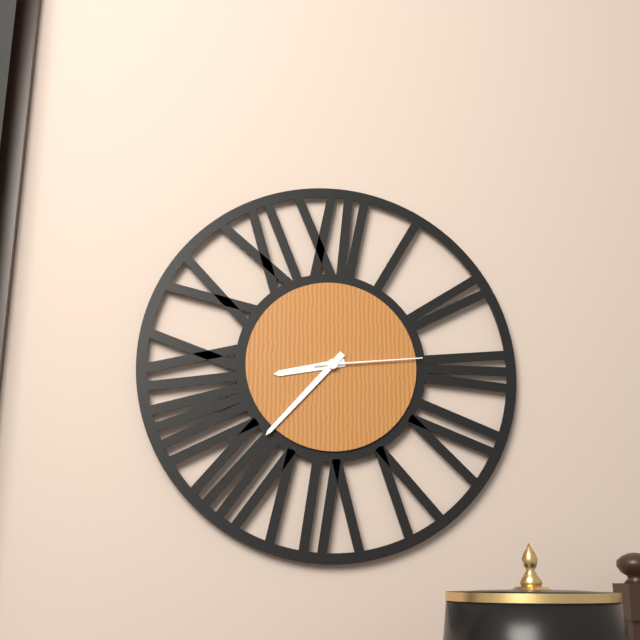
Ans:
h=8 m=37 s=14
